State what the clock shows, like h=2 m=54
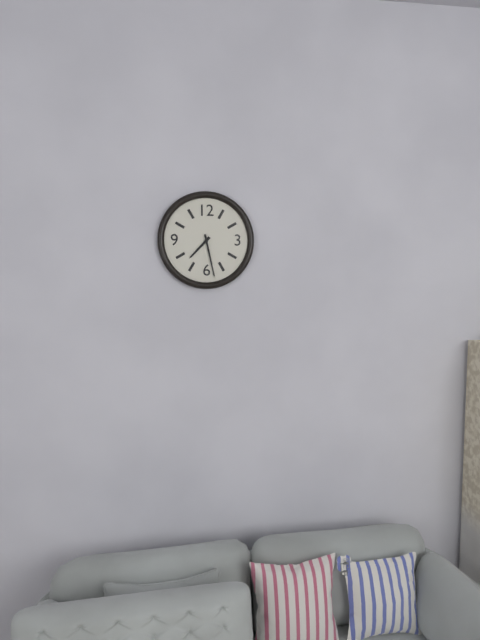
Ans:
h=7 m=28
